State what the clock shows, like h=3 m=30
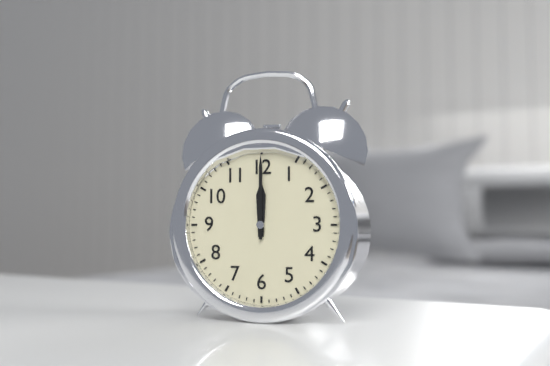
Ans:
h=12 m=0
